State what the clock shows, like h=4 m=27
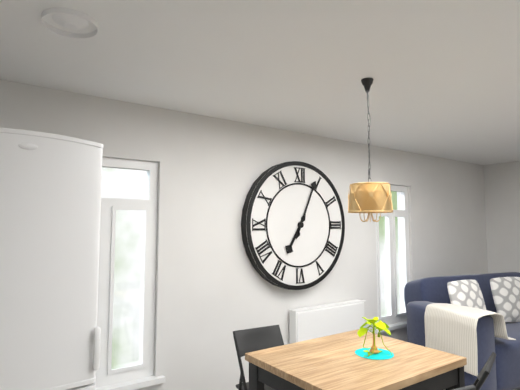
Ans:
h=7 m=4
